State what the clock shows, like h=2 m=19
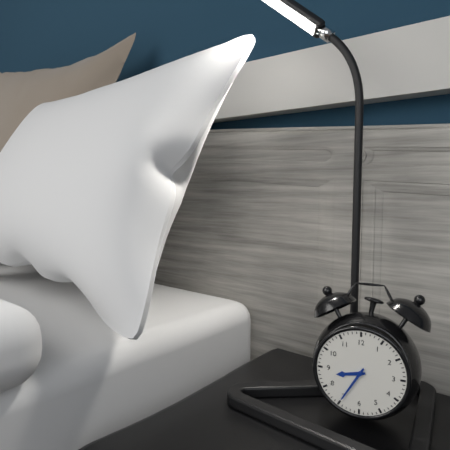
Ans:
h=8 m=35
